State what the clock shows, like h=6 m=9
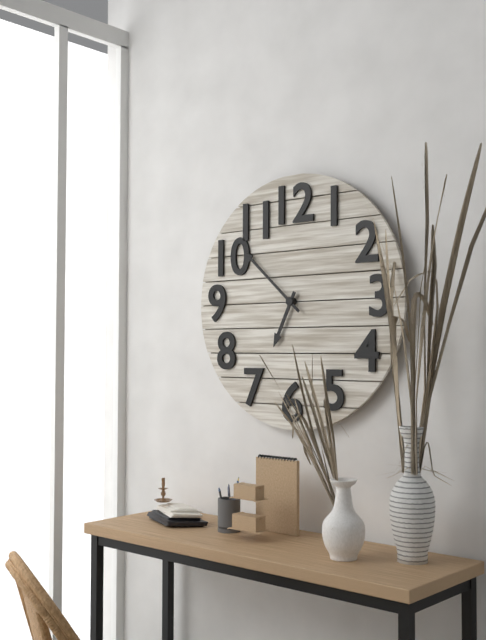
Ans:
h=6 m=52
